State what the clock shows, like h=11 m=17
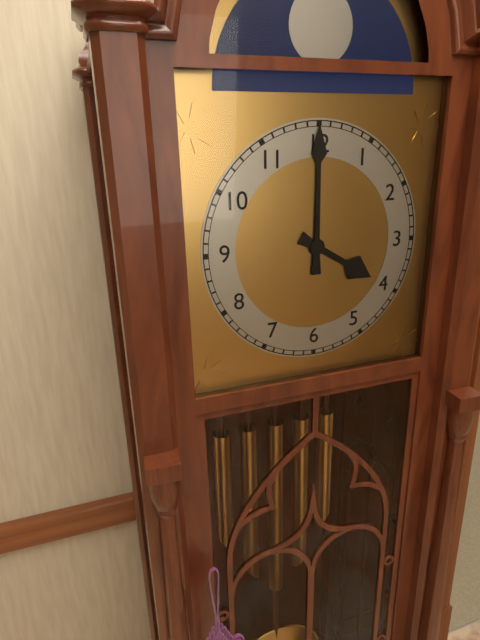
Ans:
h=4 m=0
